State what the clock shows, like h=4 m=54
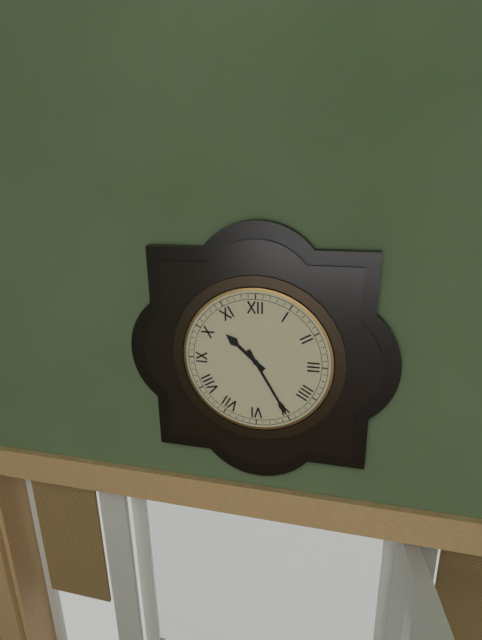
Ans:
h=10 m=25
